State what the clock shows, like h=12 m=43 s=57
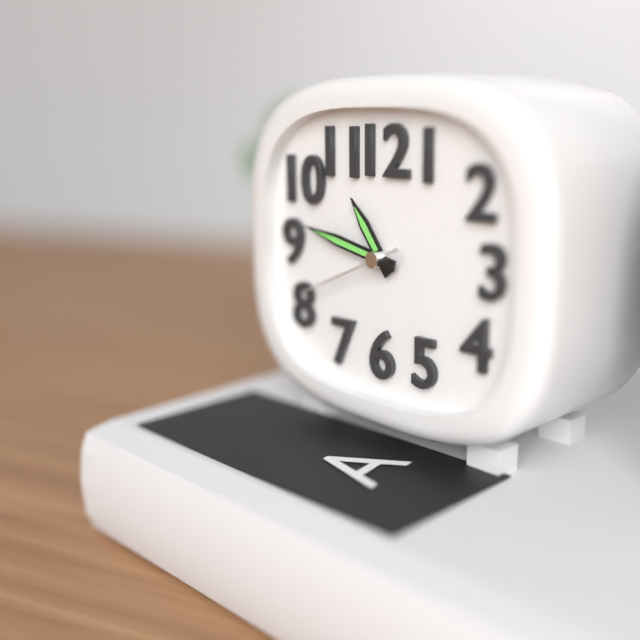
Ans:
h=10 m=47 s=41
